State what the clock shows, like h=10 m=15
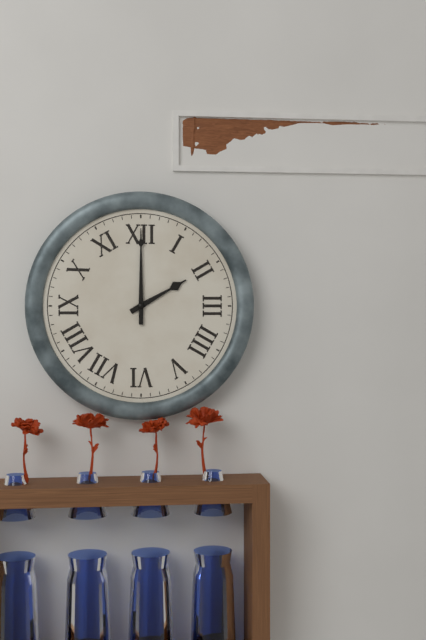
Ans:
h=2 m=0
